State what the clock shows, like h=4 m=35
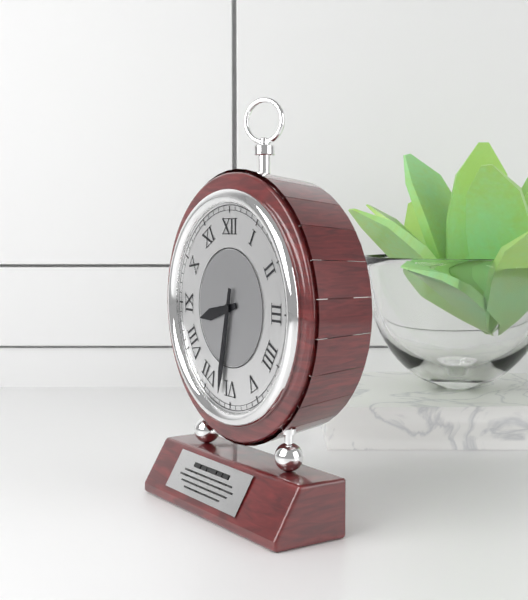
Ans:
h=8 m=32
